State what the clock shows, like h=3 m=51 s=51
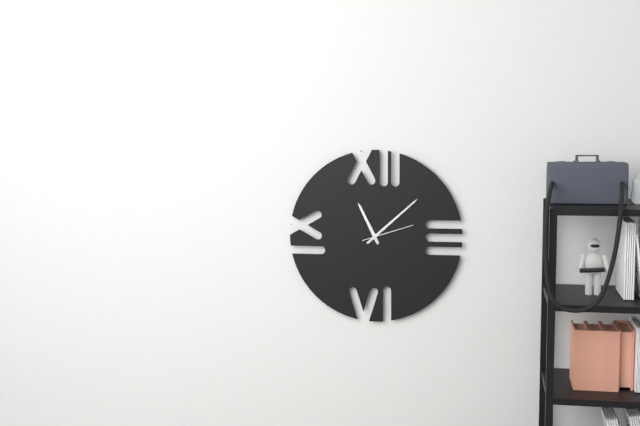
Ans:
h=11 m=8 s=12
